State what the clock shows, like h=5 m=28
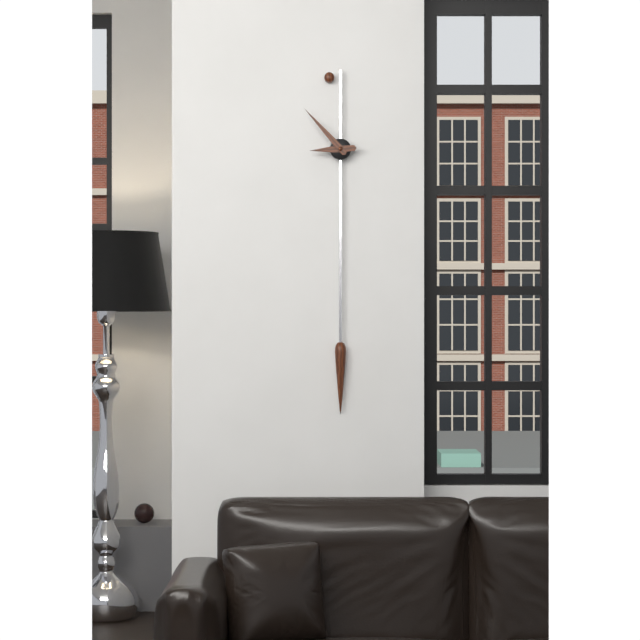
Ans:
h=8 m=53
